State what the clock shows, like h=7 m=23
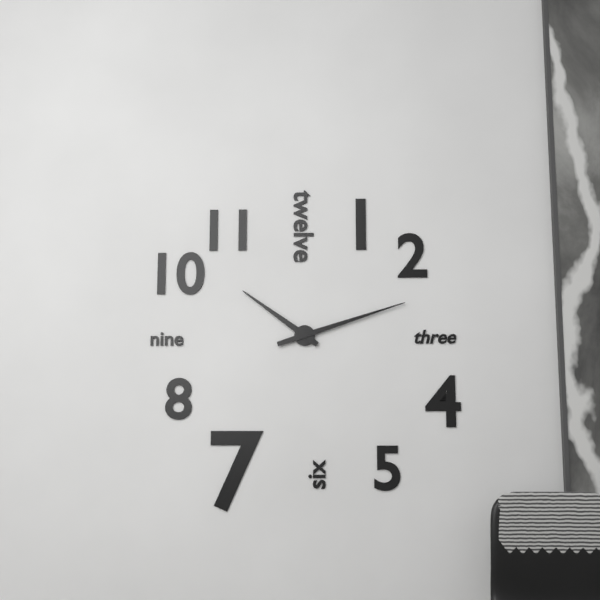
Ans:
h=10 m=12
